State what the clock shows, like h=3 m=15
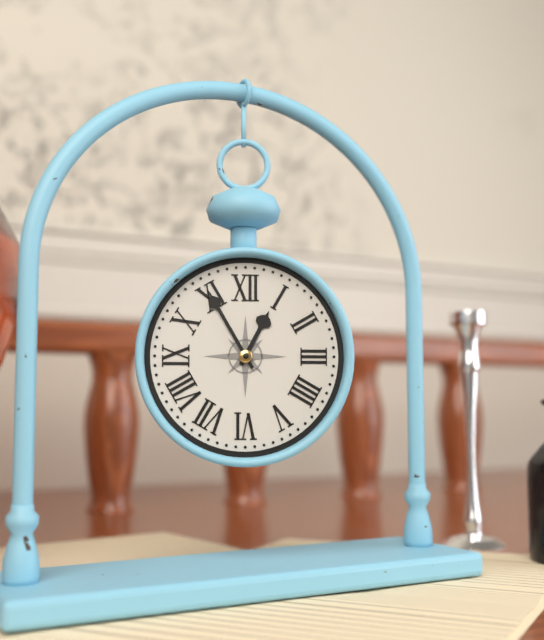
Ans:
h=12 m=55
